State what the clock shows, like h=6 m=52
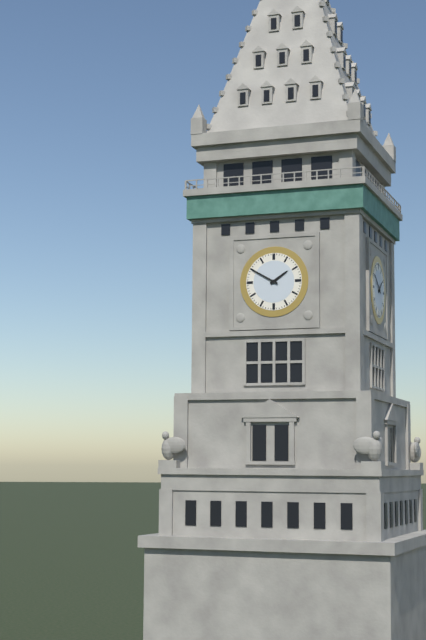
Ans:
h=1 m=50
